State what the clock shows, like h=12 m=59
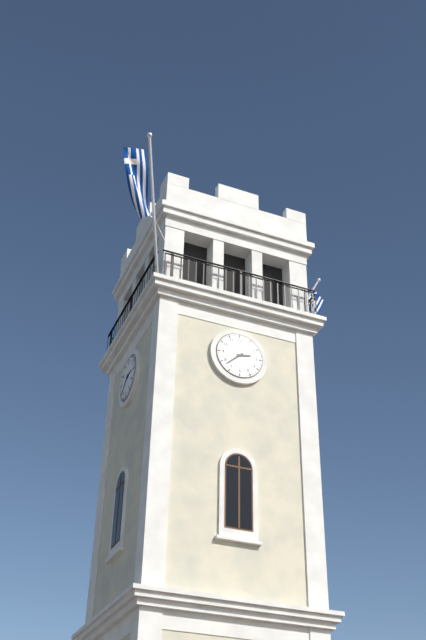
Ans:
h=2 m=38
